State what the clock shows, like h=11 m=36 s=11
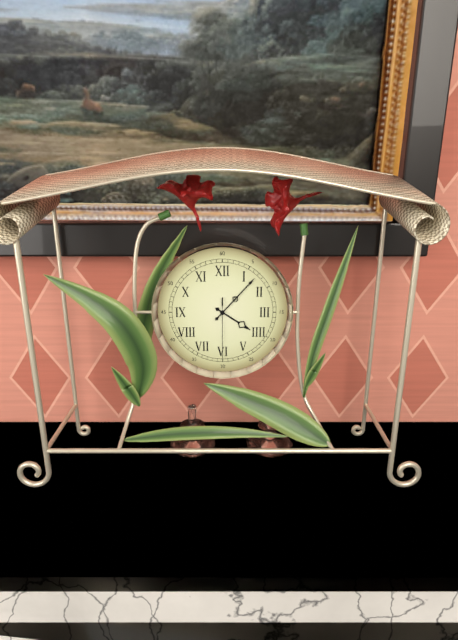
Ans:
h=4 m=7 s=30
